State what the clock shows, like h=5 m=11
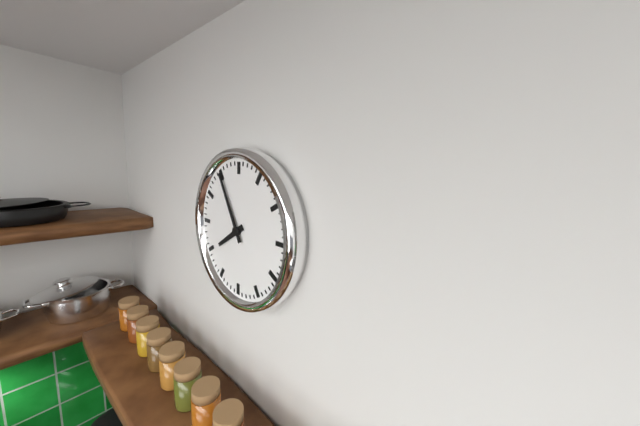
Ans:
h=7 m=55
